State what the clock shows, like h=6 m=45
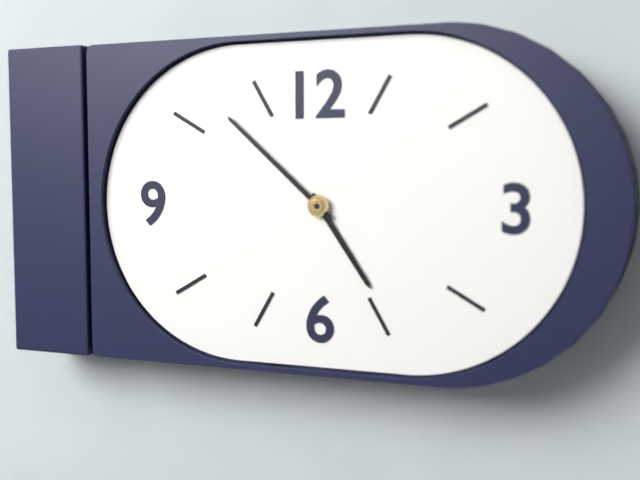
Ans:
h=4 m=52
